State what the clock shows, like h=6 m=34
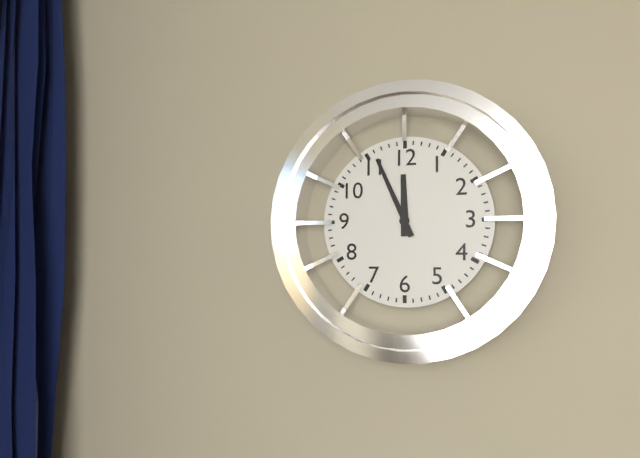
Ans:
h=11 m=56
